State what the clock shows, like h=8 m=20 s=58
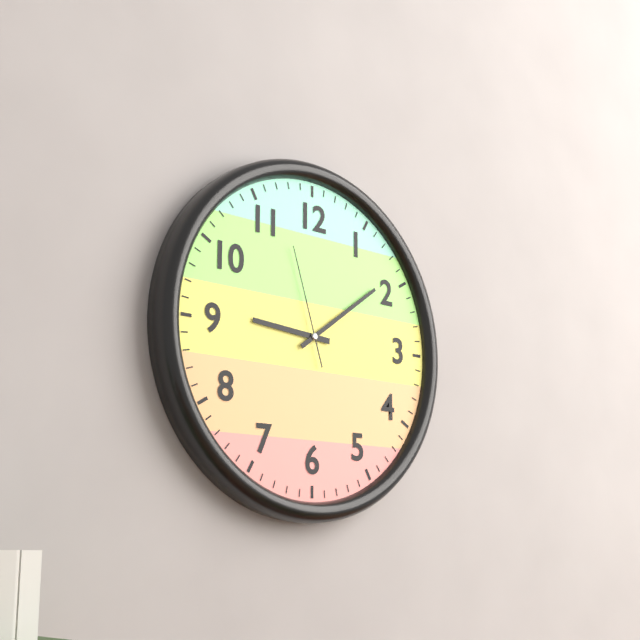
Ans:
h=9 m=9 s=57
